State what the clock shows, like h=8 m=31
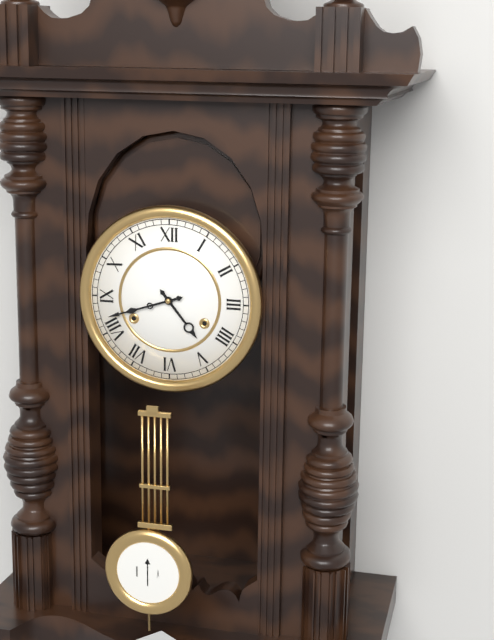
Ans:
h=4 m=42
